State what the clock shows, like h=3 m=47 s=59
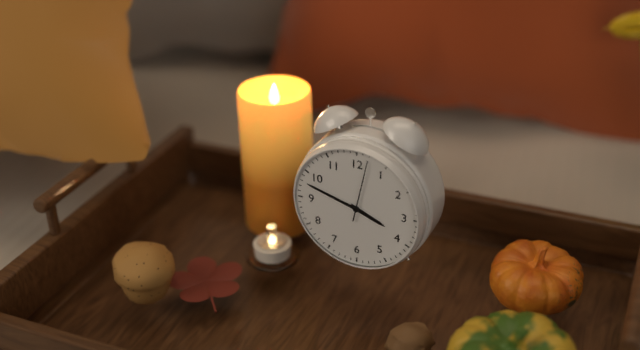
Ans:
h=3 m=48 s=2
